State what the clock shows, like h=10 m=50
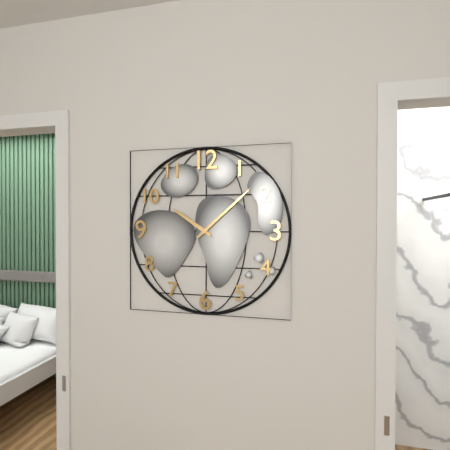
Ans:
h=10 m=8
